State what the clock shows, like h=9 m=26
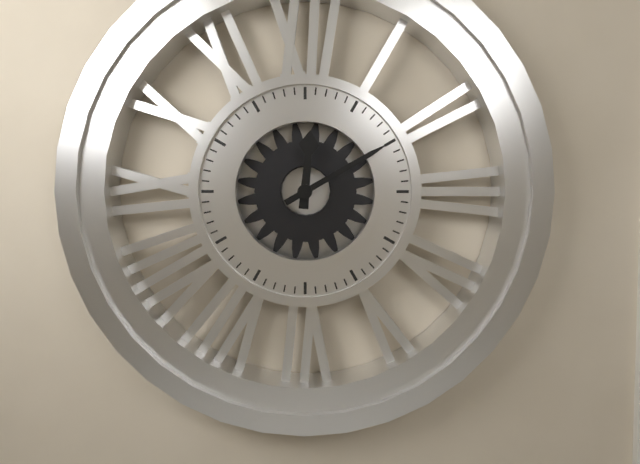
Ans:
h=12 m=10
